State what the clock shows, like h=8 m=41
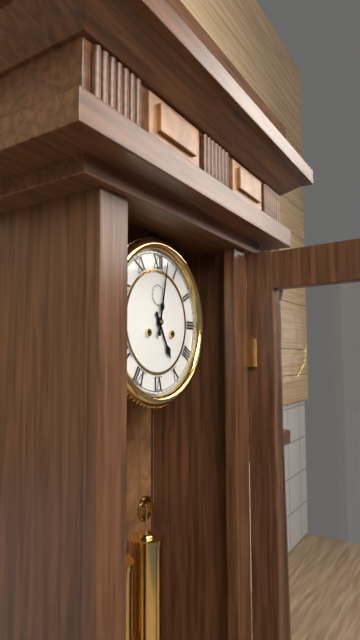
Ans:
h=5 m=2
